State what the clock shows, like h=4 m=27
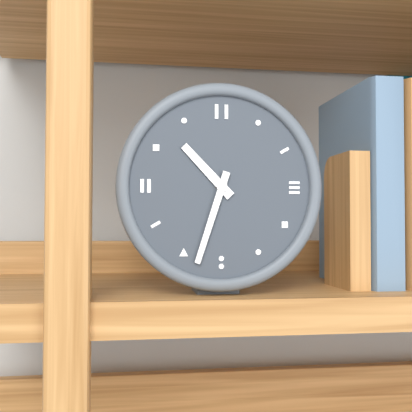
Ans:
h=10 m=33
